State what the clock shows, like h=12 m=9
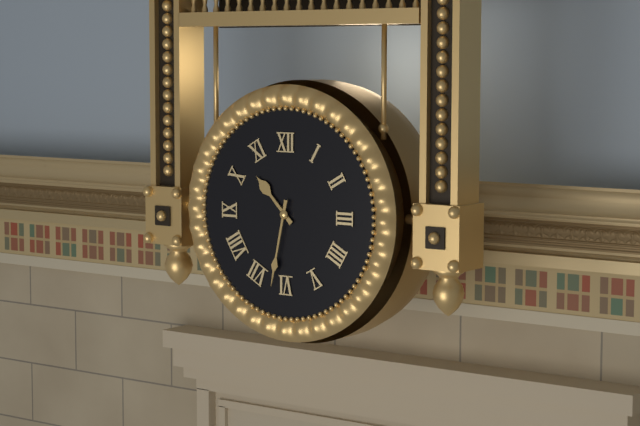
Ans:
h=10 m=32
